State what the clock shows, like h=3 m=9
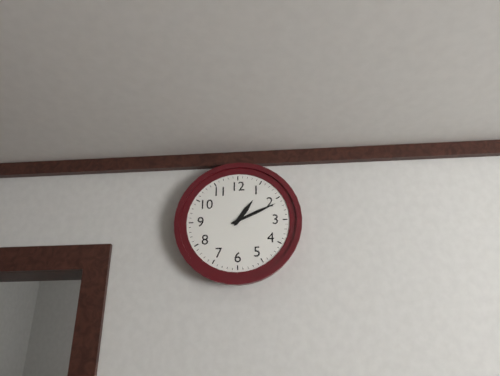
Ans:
h=1 m=11
